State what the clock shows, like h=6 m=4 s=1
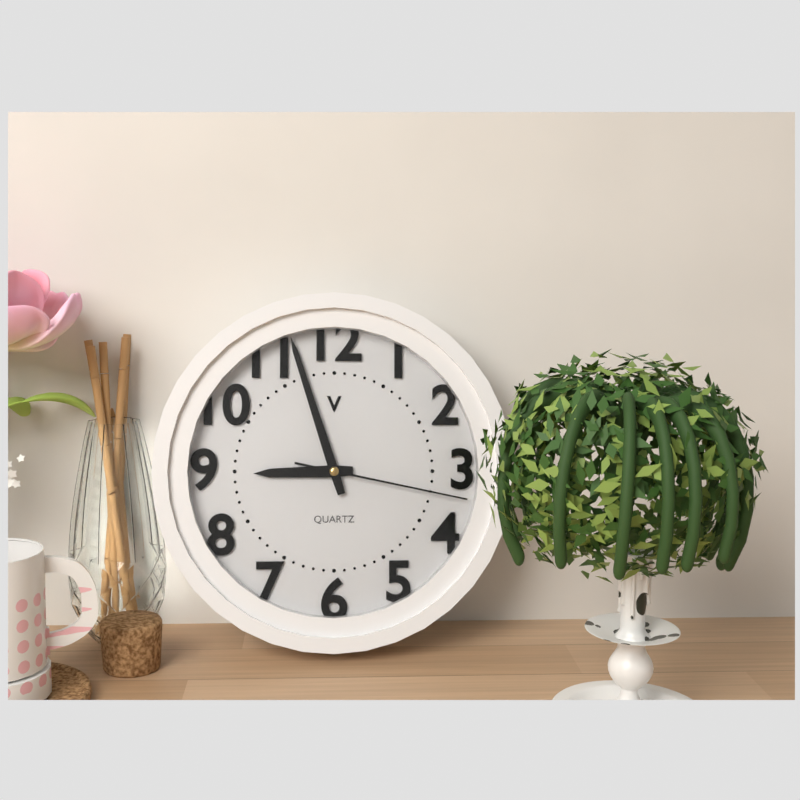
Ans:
h=8 m=57 s=17
